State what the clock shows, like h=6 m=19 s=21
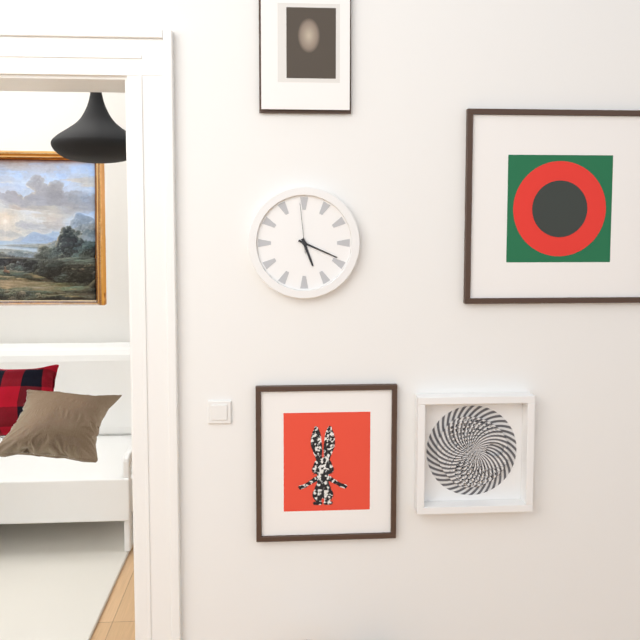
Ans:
h=5 m=19 s=59
